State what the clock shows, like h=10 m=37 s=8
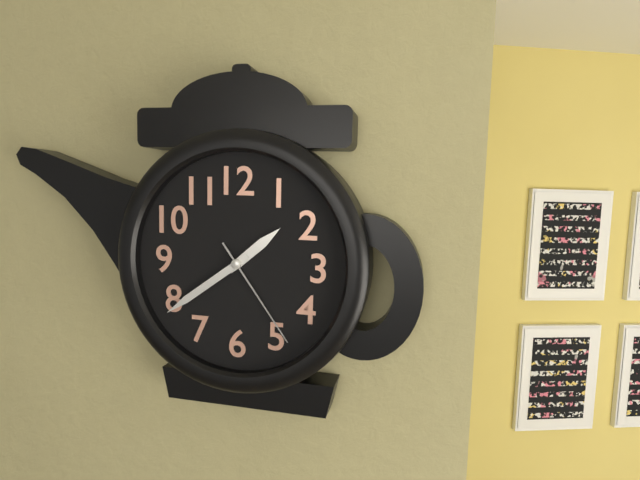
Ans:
h=1 m=39 s=24
